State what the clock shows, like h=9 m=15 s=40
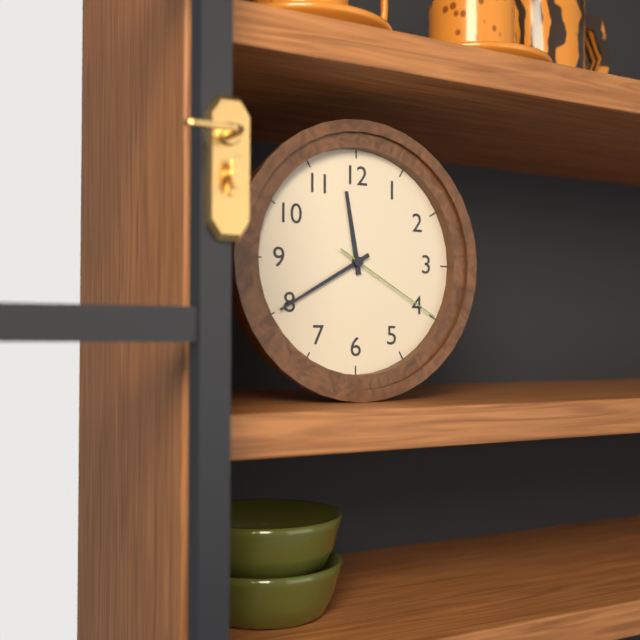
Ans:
h=11 m=40 s=20
